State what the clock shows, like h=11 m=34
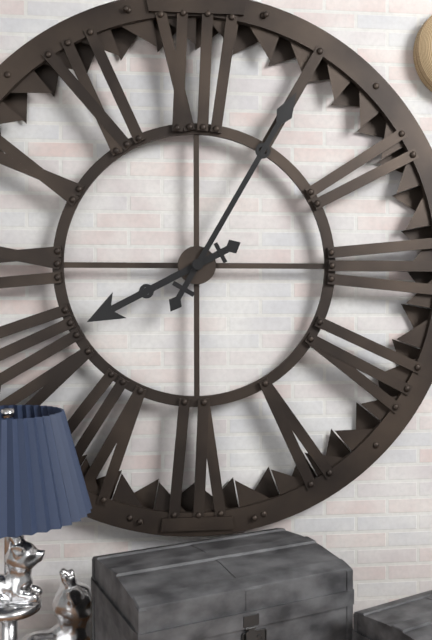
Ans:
h=8 m=5
